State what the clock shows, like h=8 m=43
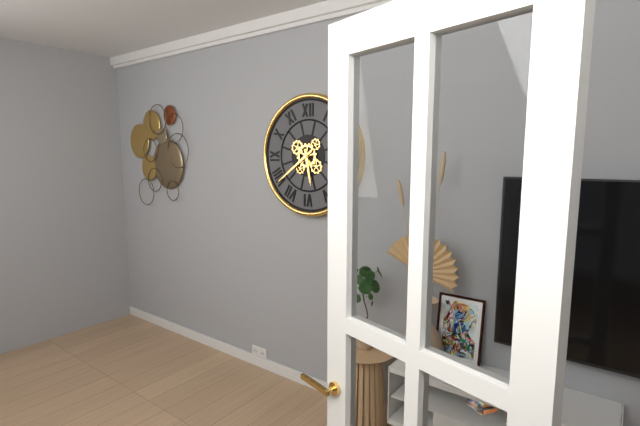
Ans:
h=5 m=39
